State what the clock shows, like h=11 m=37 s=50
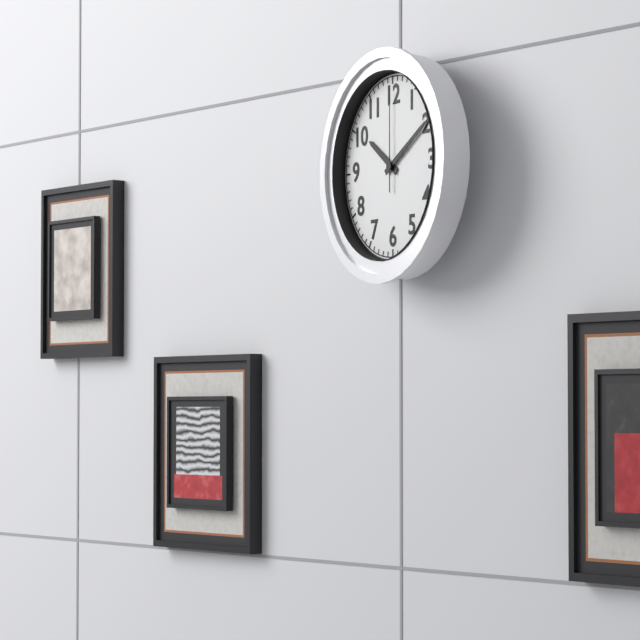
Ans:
h=10 m=10 s=0
